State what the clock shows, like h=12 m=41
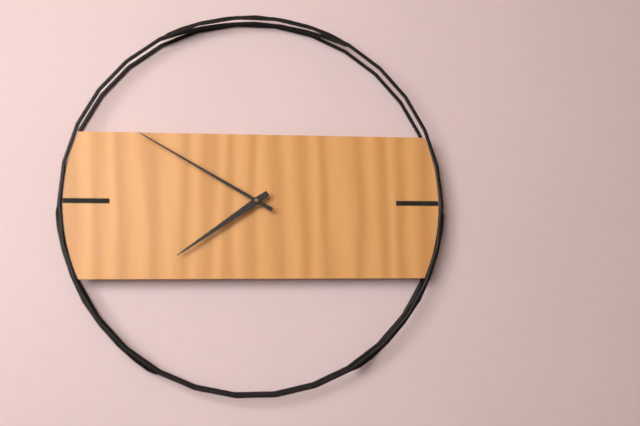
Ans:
h=7 m=50
